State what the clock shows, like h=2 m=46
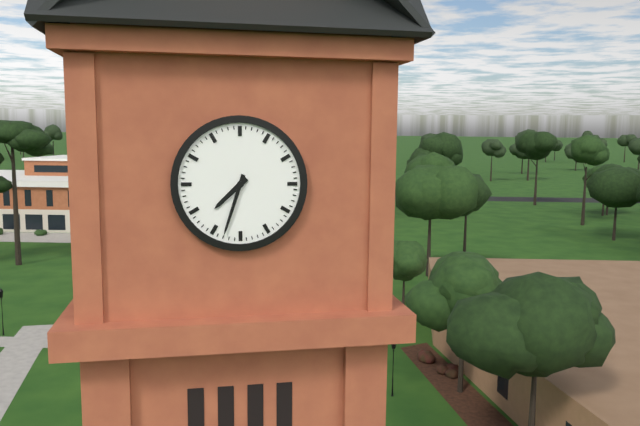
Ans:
h=7 m=33
